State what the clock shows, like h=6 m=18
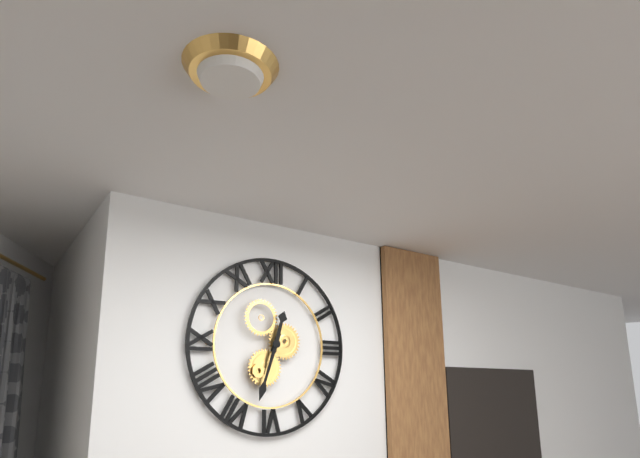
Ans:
h=12 m=33
